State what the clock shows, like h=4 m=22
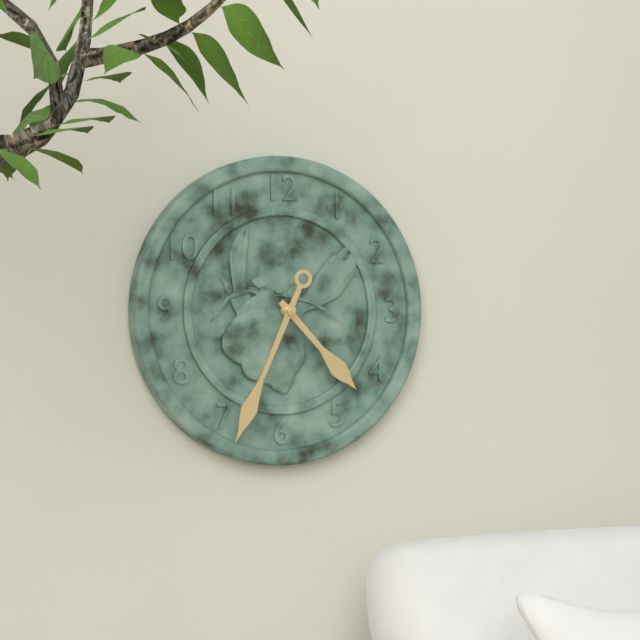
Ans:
h=4 m=34
